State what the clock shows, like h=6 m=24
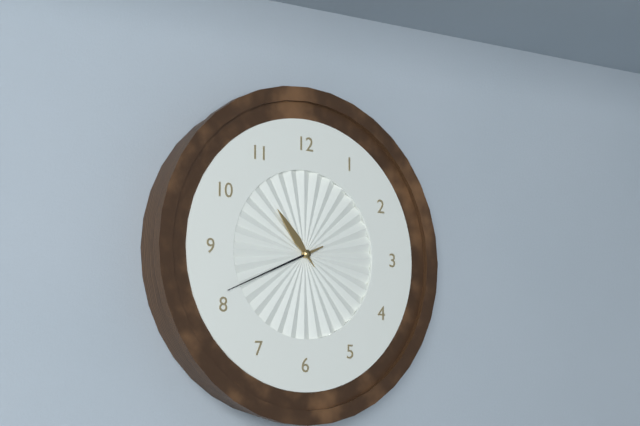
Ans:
h=10 m=41
